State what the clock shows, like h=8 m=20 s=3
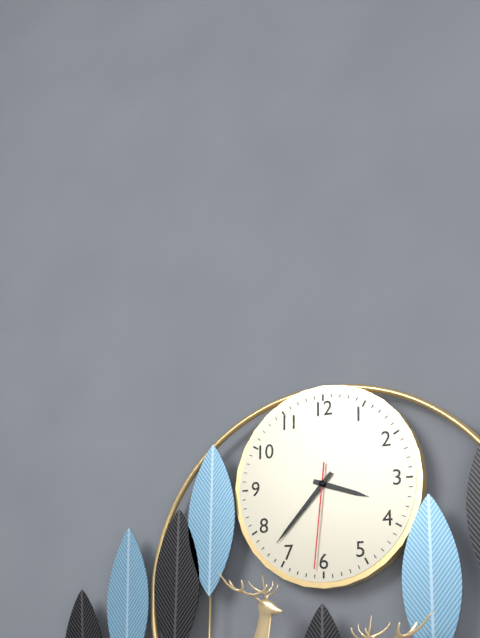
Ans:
h=3 m=37 s=31
